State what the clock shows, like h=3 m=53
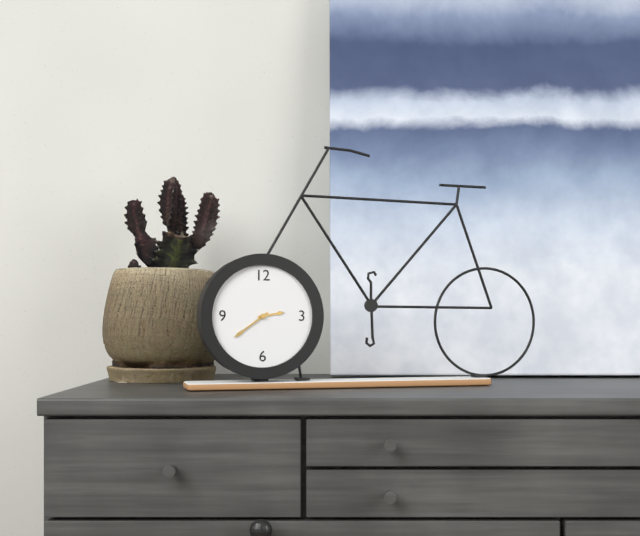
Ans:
h=2 m=39
